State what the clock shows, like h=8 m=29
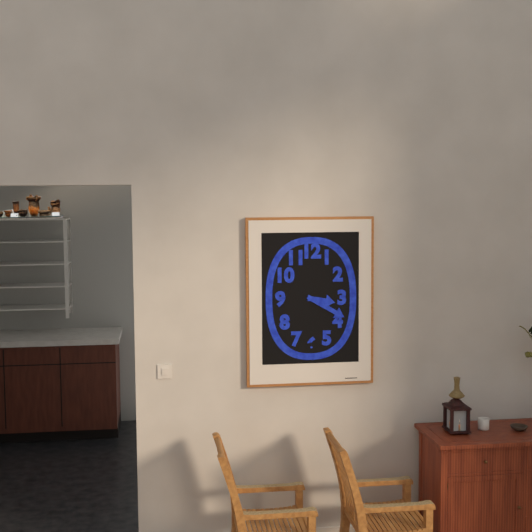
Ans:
h=3 m=20
